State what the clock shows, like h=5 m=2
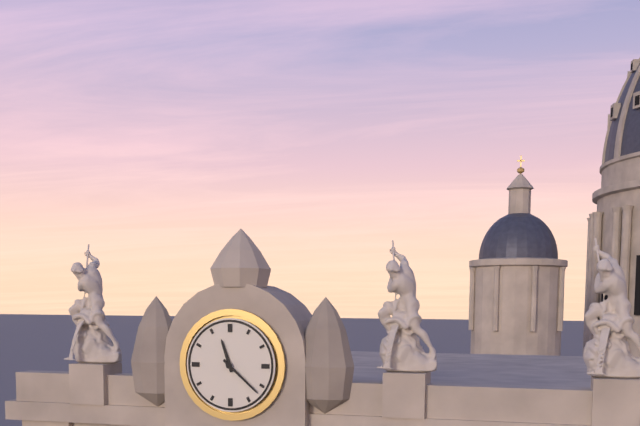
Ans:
h=11 m=22
